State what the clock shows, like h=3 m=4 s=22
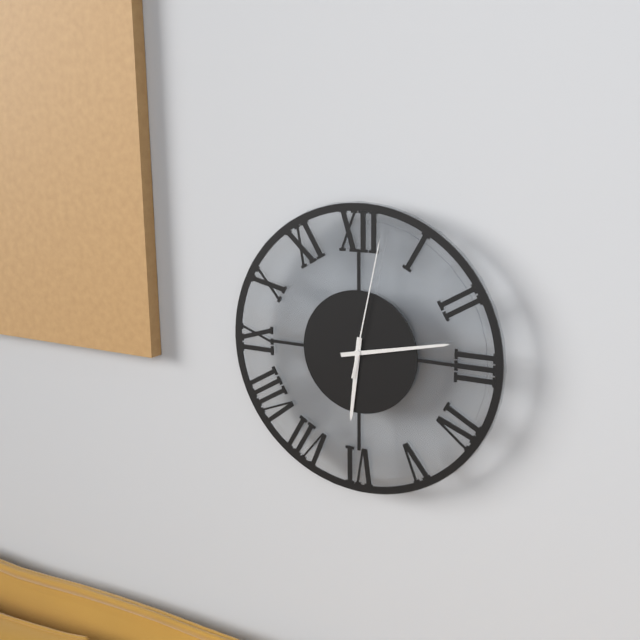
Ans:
h=6 m=13 s=2
